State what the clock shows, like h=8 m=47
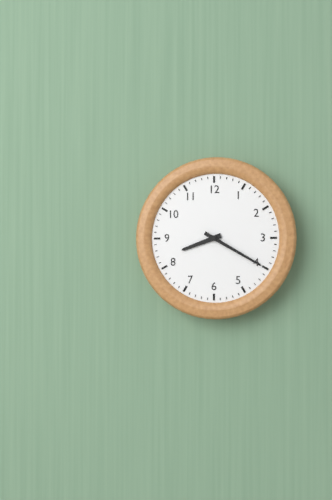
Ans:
h=8 m=20
